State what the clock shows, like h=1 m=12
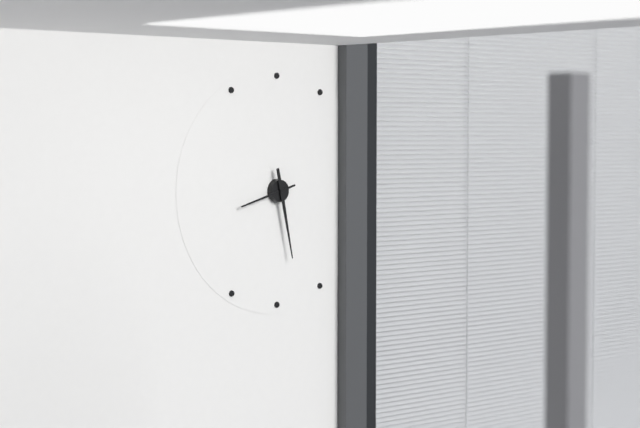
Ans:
h=8 m=28
